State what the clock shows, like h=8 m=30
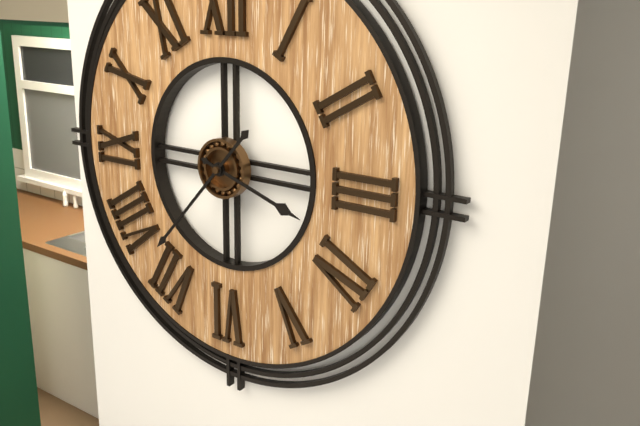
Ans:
h=3 m=37
